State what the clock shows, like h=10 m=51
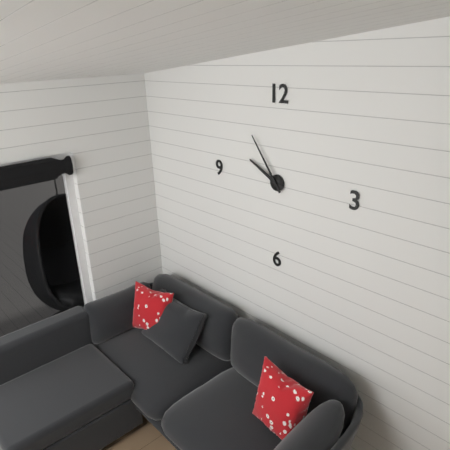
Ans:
h=9 m=54
